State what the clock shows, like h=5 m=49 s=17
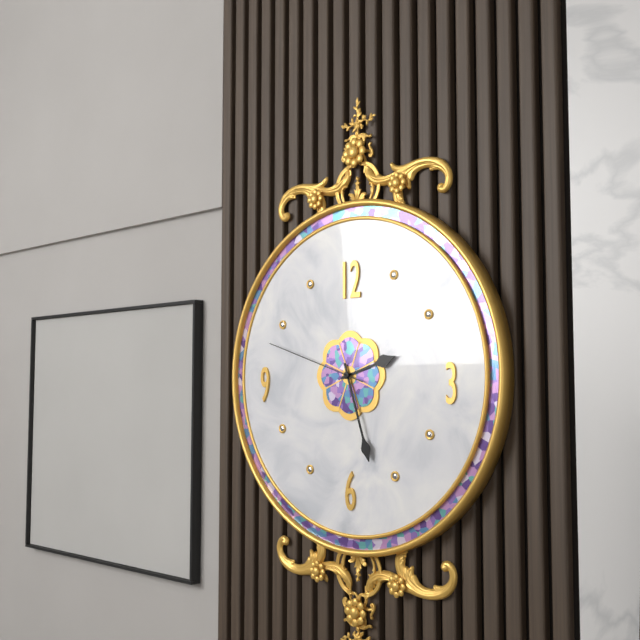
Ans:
h=2 m=27 s=48
